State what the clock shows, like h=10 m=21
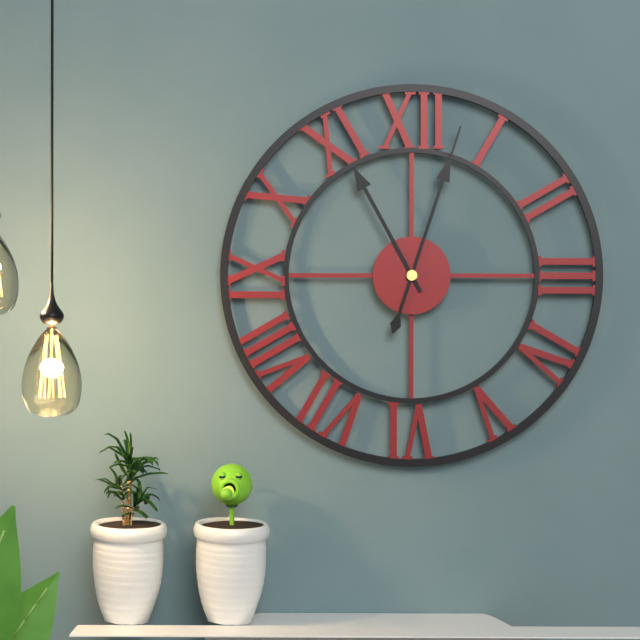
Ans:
h=11 m=3
